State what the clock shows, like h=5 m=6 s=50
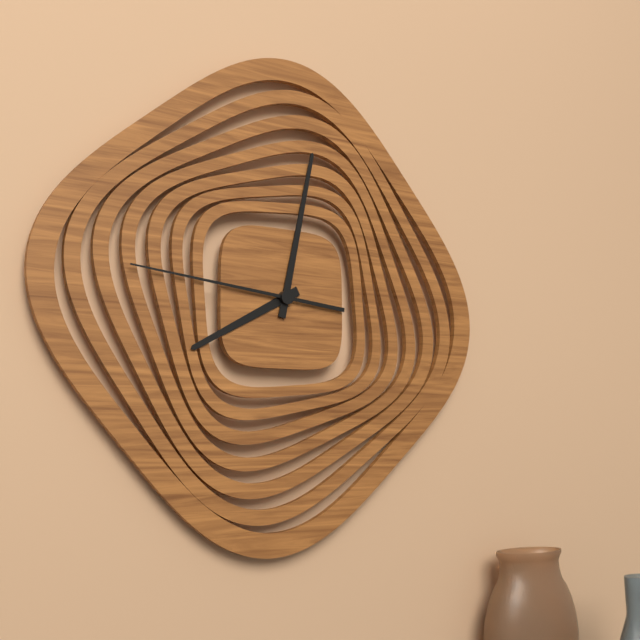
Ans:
h=8 m=2 s=46
